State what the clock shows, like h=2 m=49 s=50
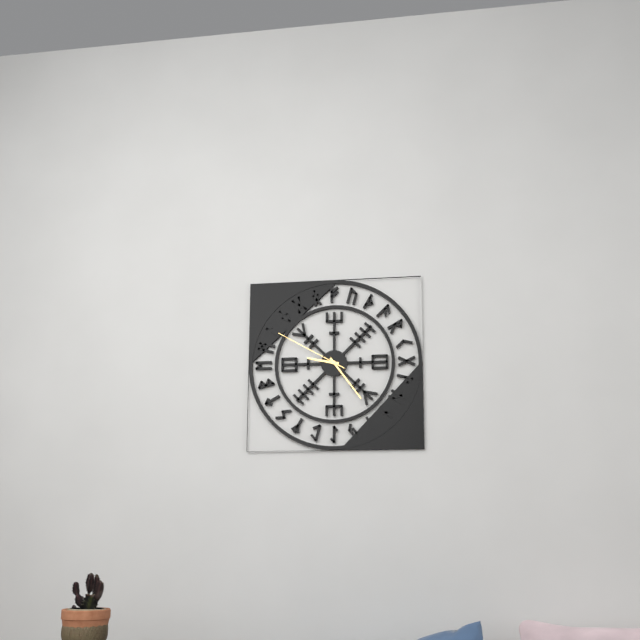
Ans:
h=9 m=24 s=50
